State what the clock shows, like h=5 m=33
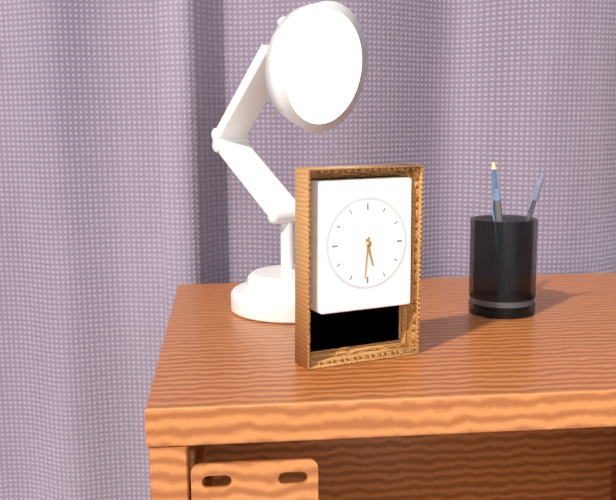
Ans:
h=5 m=31
